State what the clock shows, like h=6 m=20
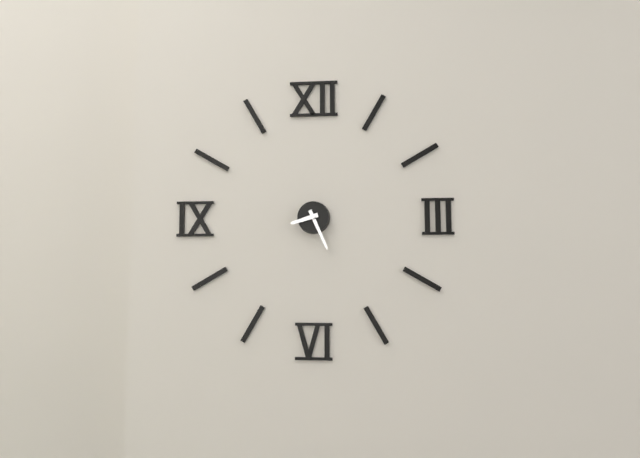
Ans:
h=8 m=26
